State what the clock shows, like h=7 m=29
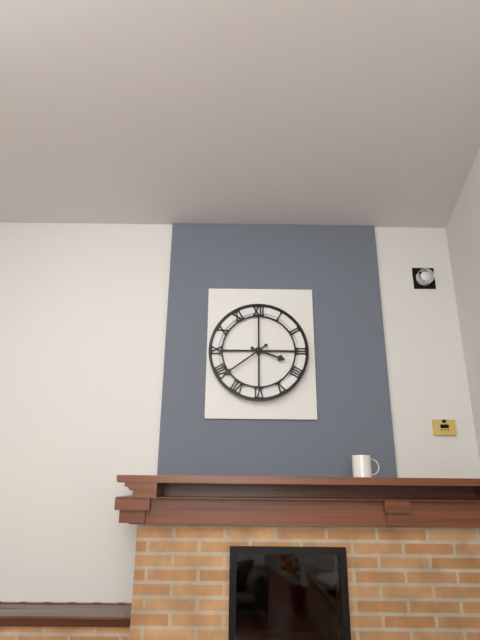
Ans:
h=3 m=39
